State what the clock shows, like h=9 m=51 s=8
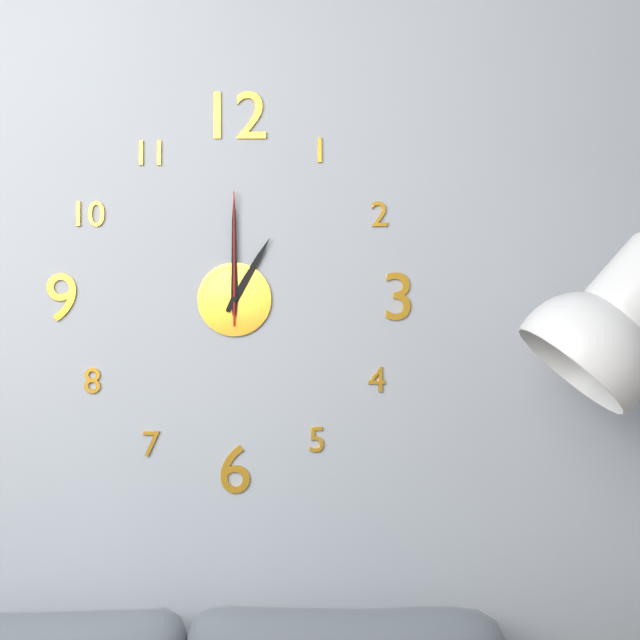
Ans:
h=1 m=0 s=0
